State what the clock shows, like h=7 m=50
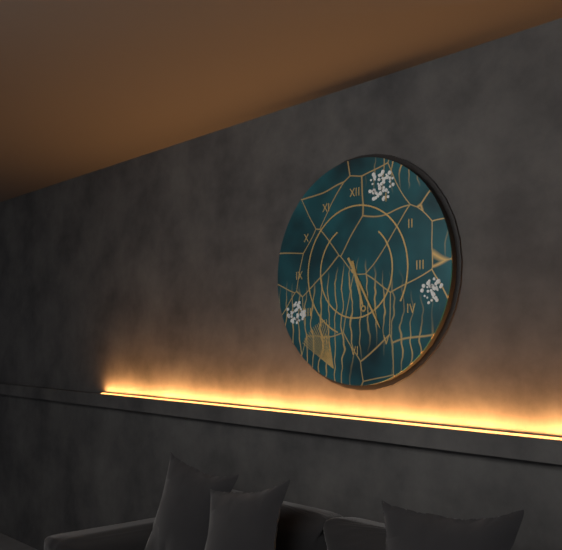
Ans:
h=5 m=25
